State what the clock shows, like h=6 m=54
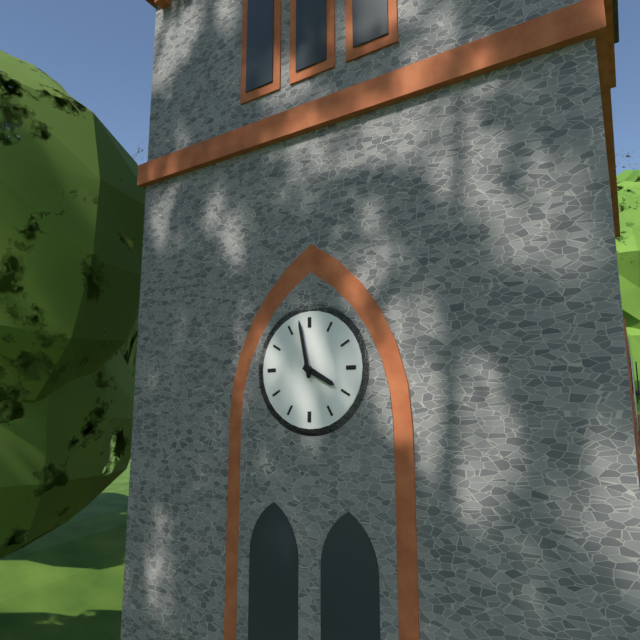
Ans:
h=3 m=58
